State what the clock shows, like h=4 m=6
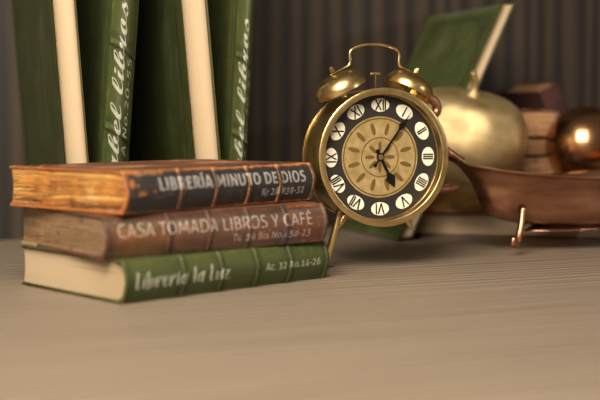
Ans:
h=5 m=6
